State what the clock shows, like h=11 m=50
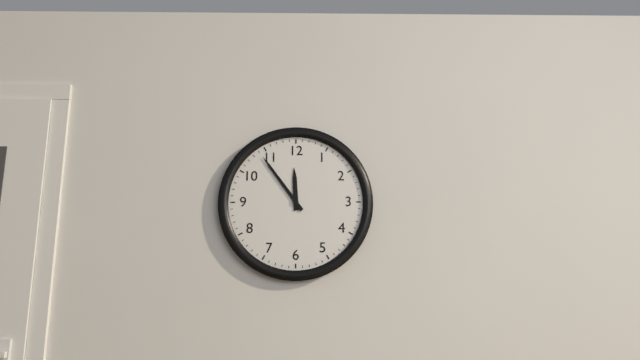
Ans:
h=11 m=54
